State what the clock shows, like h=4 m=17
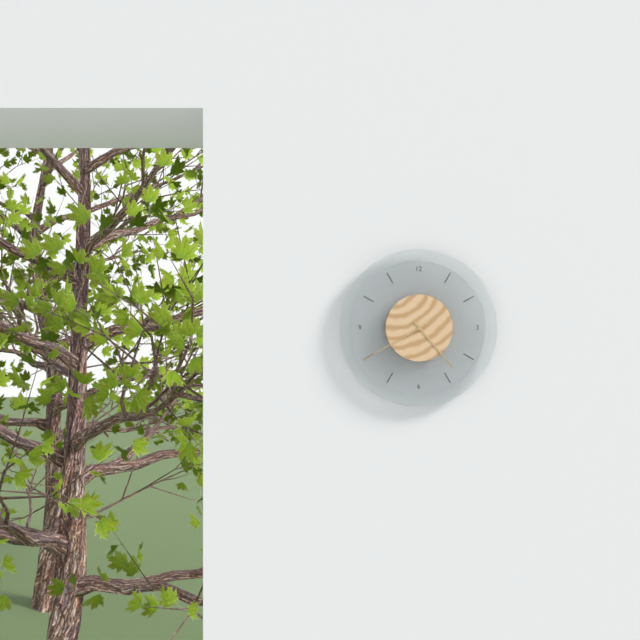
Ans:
h=4 m=40
